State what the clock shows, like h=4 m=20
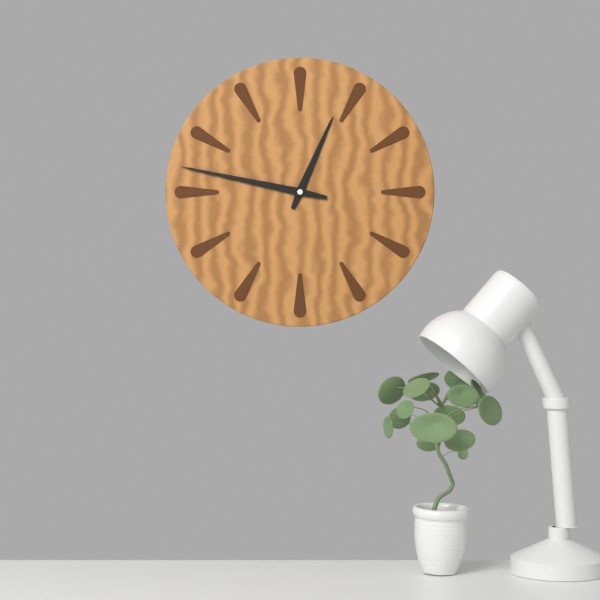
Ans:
h=12 m=47
